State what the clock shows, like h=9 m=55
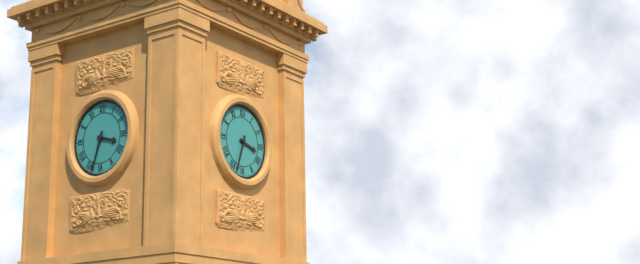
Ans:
h=3 m=33
